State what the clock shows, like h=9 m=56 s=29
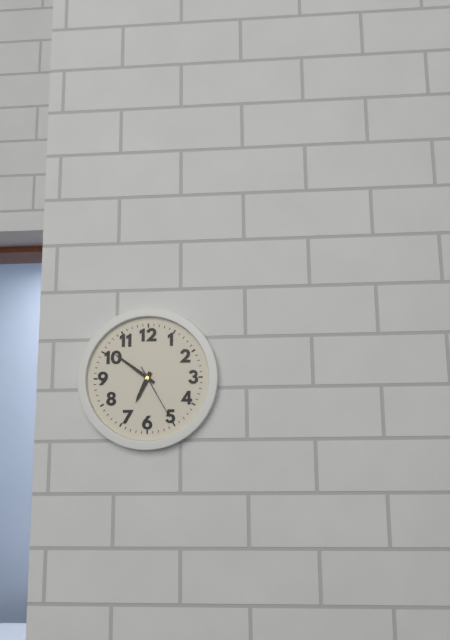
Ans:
h=6 m=51 s=25
